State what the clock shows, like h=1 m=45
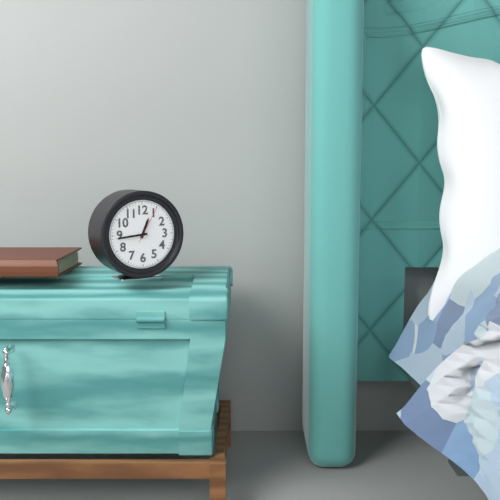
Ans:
h=12 m=44
